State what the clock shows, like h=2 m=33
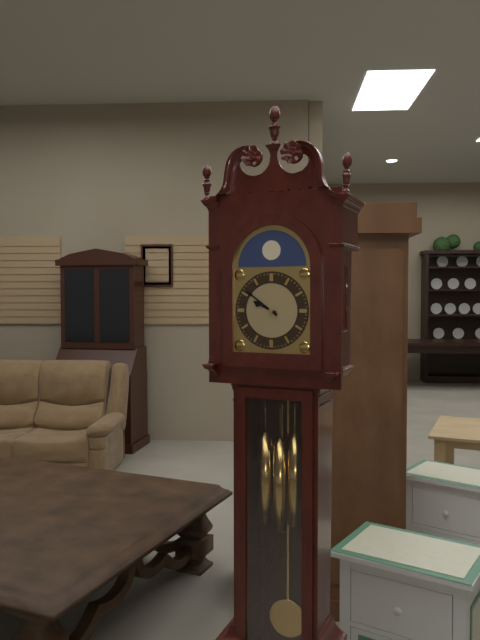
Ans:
h=9 m=51
